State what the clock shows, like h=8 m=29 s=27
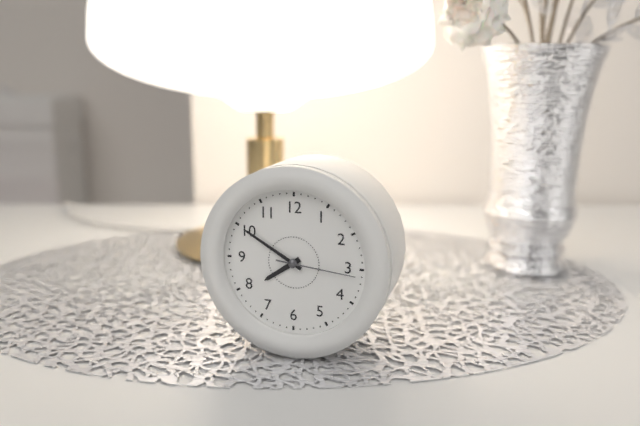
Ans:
h=7 m=50 s=16
